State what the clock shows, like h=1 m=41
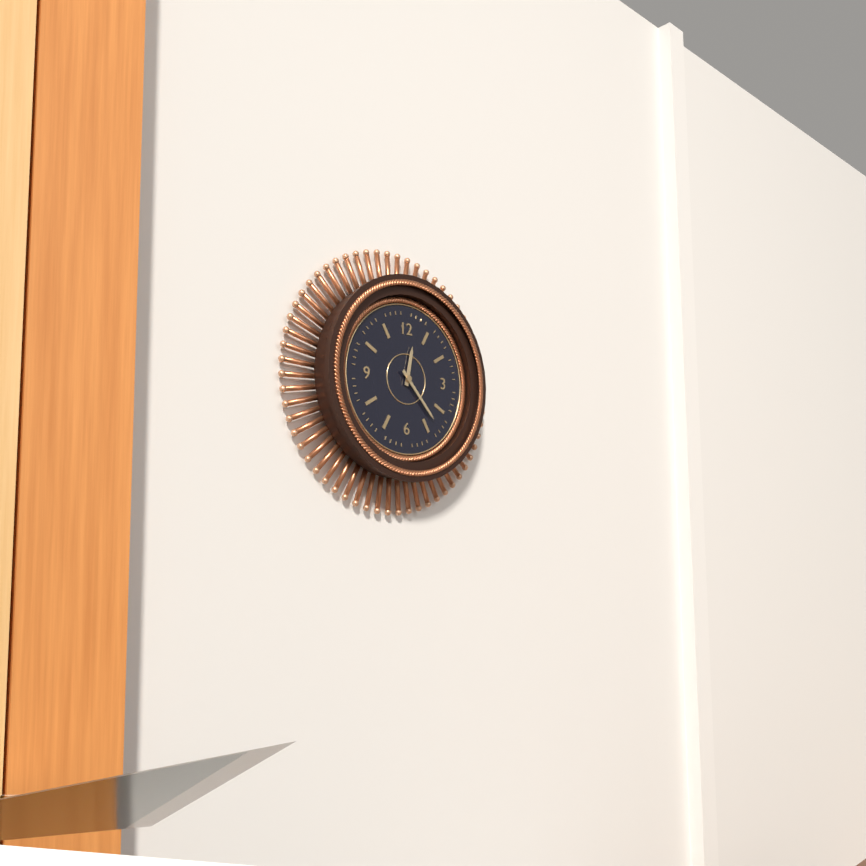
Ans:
h=12 m=23
